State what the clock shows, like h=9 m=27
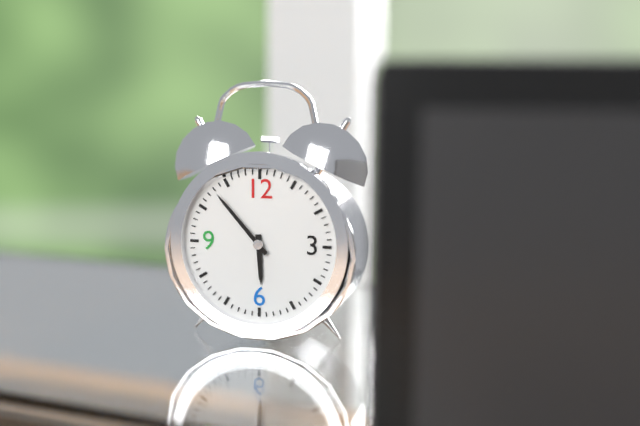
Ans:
h=5 m=53
